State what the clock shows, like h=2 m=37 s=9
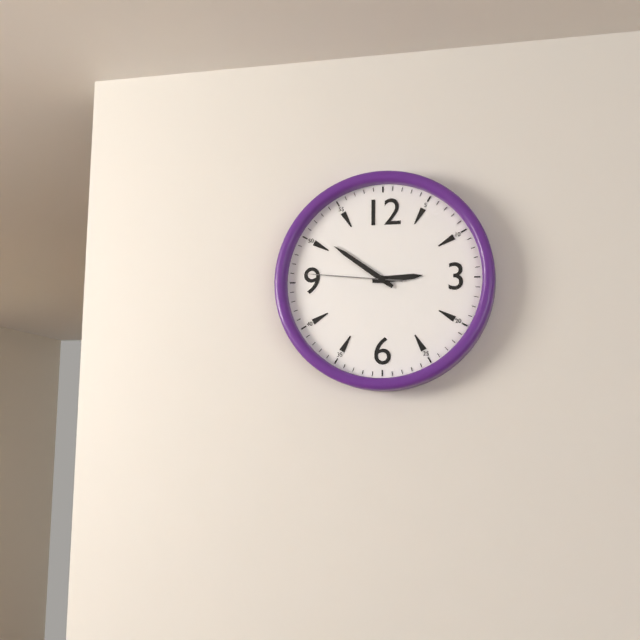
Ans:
h=2 m=51 s=46
